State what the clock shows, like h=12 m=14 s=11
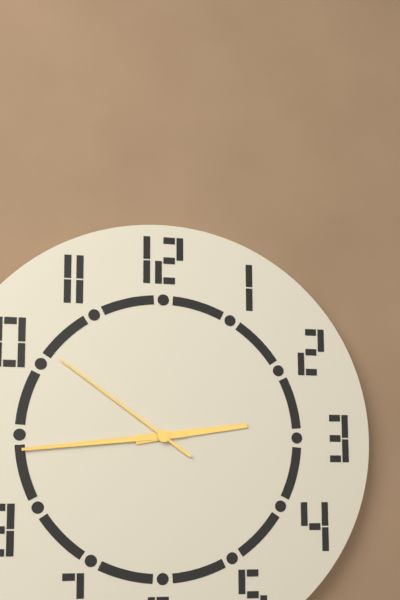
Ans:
h=2 m=44 s=51
